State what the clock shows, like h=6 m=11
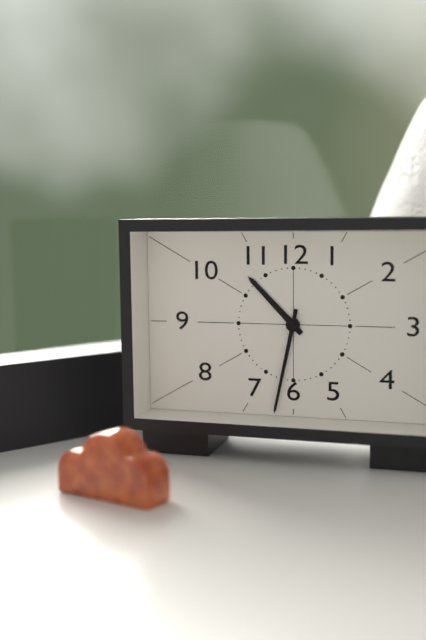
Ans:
h=10 m=32
